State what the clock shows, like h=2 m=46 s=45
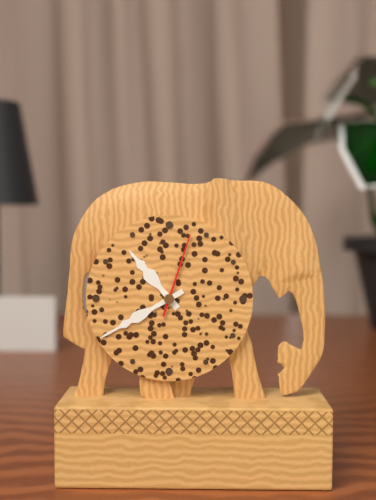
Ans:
h=10 m=40 s=3
